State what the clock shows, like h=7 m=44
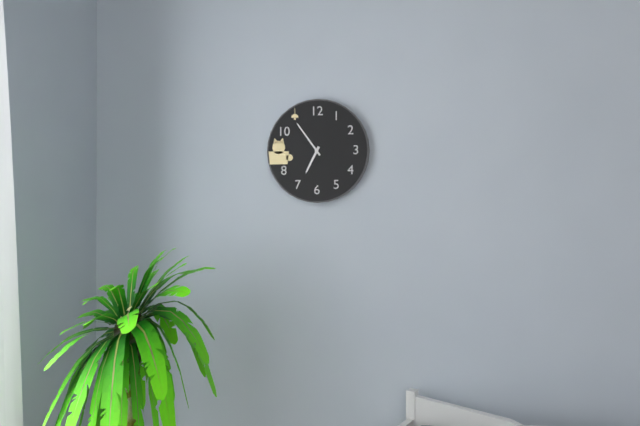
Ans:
h=6 m=54
